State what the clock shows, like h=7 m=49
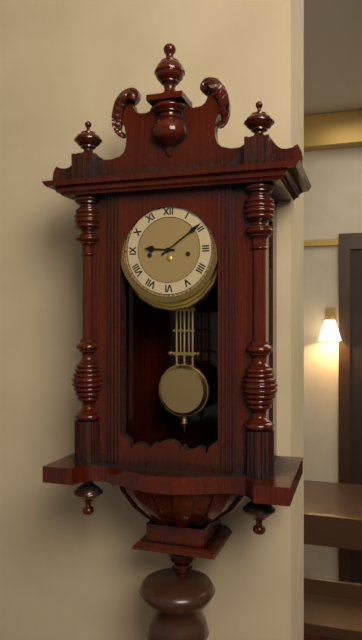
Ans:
h=9 m=9
